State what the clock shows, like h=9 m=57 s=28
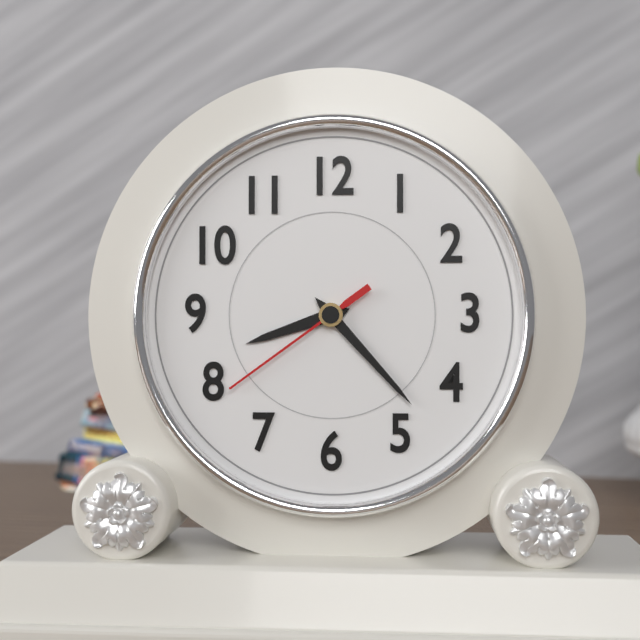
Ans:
h=8 m=23 s=39
